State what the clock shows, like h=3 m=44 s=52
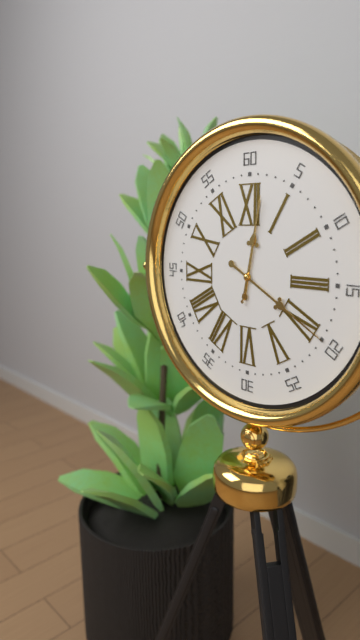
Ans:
h=12 m=20 s=2
